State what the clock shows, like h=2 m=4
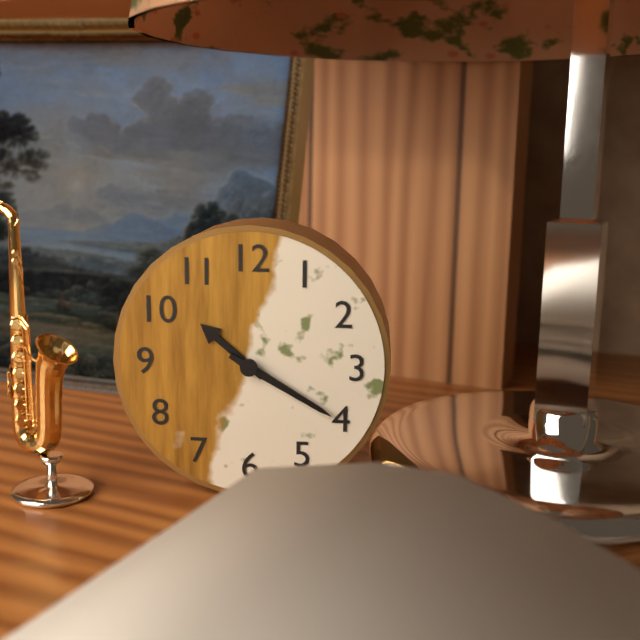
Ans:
h=10 m=20
